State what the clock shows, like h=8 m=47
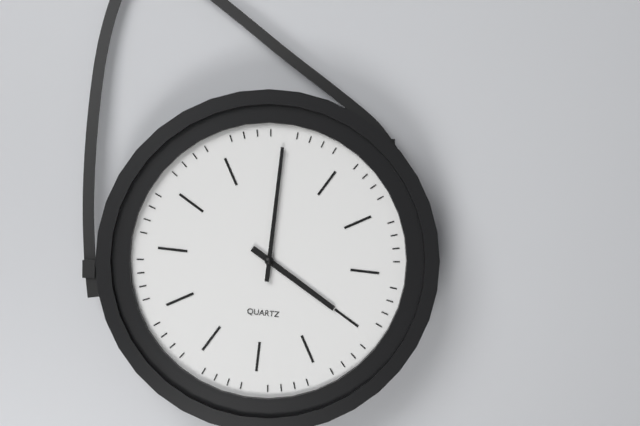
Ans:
h=4 m=0
